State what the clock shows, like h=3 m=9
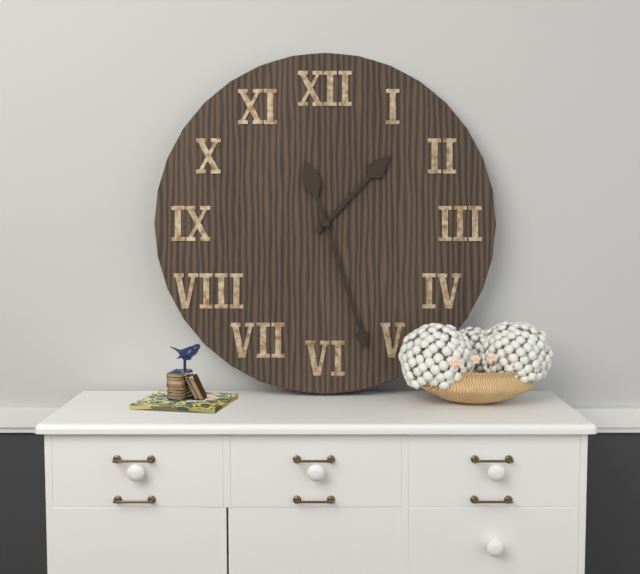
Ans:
h=1 m=27
